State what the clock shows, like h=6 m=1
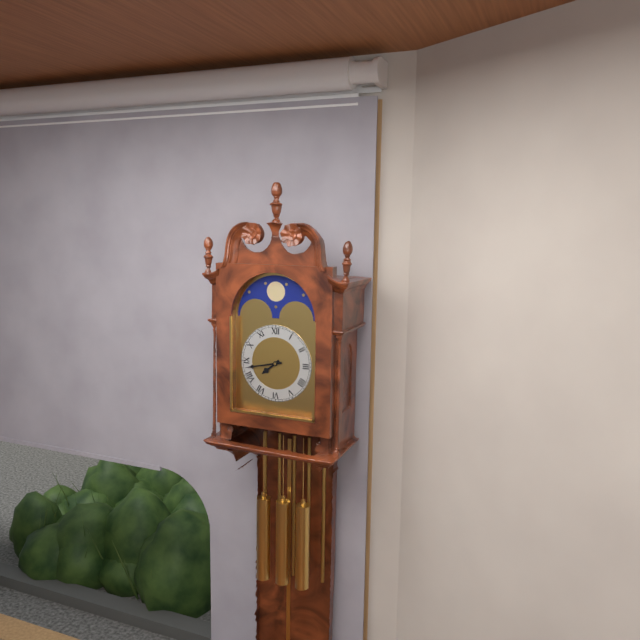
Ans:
h=7 m=43
